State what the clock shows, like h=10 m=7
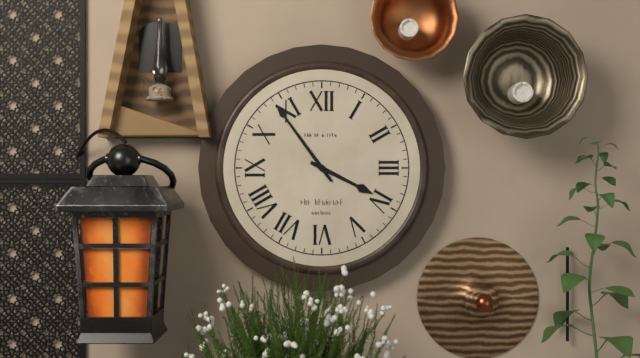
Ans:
h=3 m=54
